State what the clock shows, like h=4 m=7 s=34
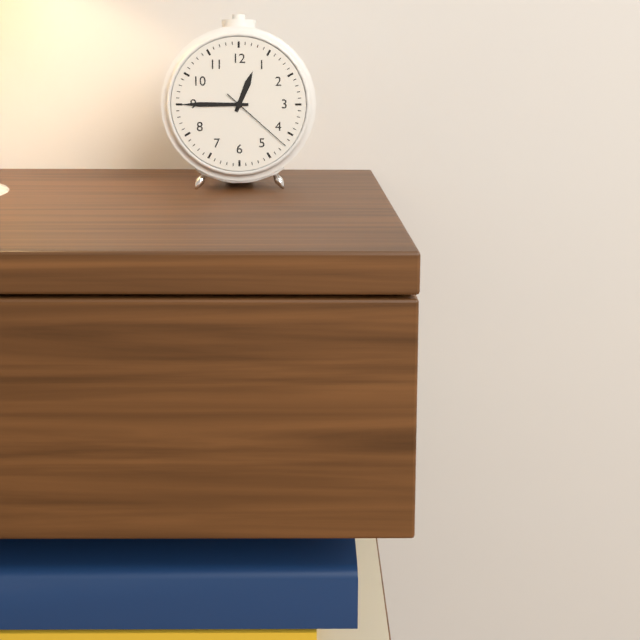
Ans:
h=12 m=45 s=22
